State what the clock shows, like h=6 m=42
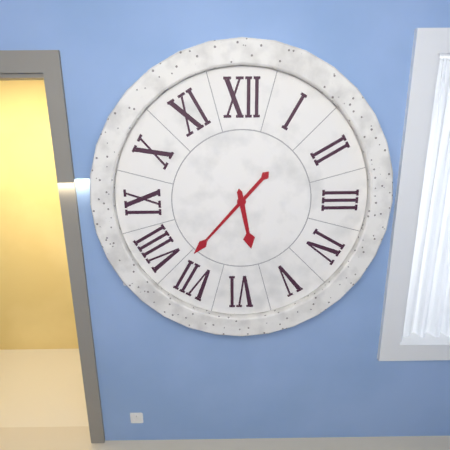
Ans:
h=5 m=37
